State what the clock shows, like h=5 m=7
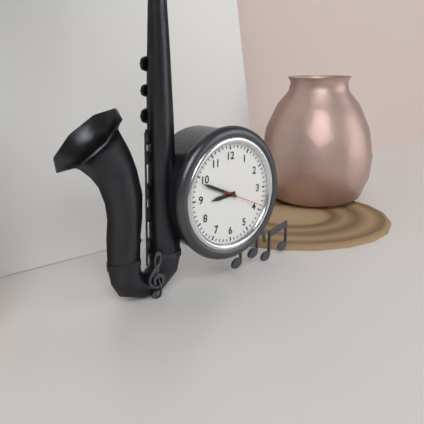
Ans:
h=8 m=49
